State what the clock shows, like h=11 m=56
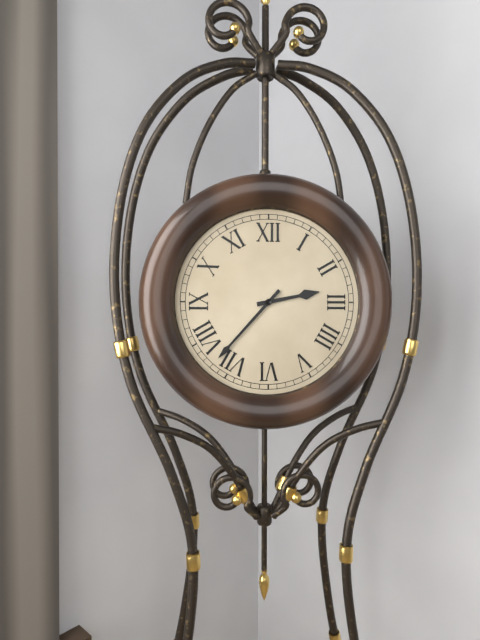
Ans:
h=2 m=37
